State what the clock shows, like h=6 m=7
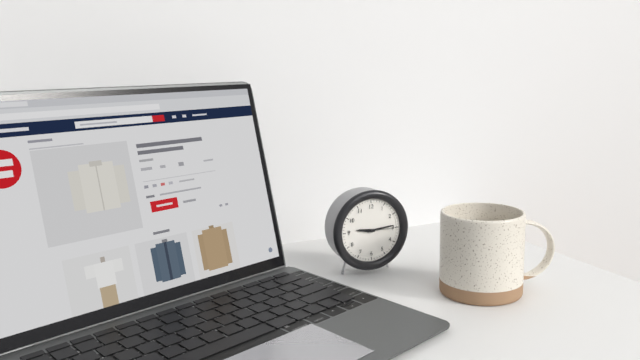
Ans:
h=9 m=14
